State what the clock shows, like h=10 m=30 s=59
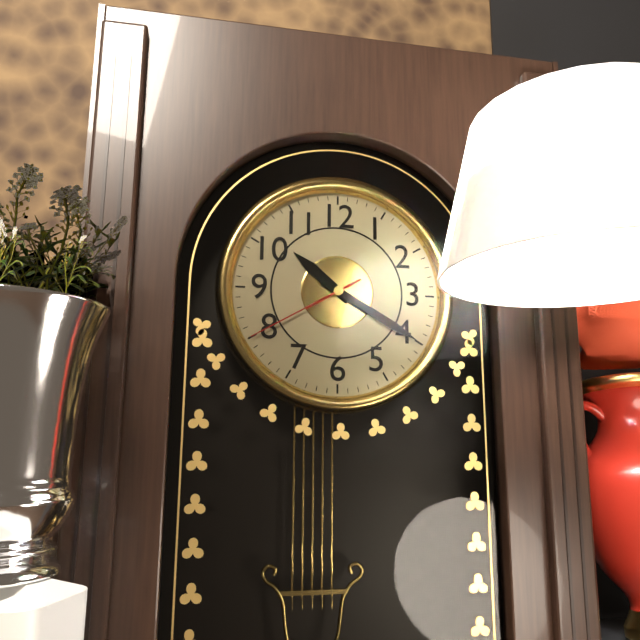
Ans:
h=10 m=20 s=40
